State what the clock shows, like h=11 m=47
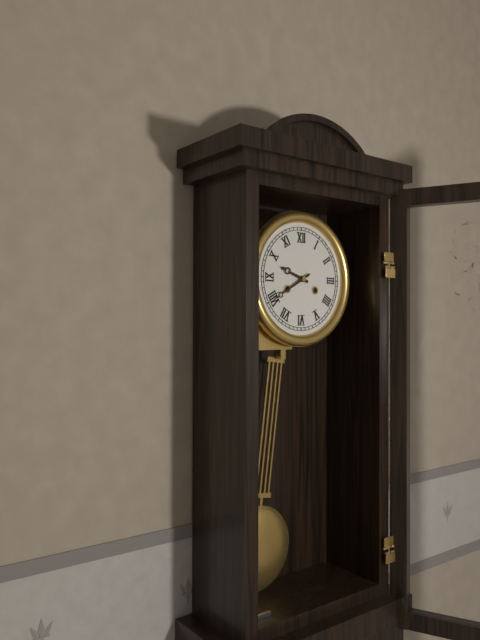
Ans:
h=9 m=40
